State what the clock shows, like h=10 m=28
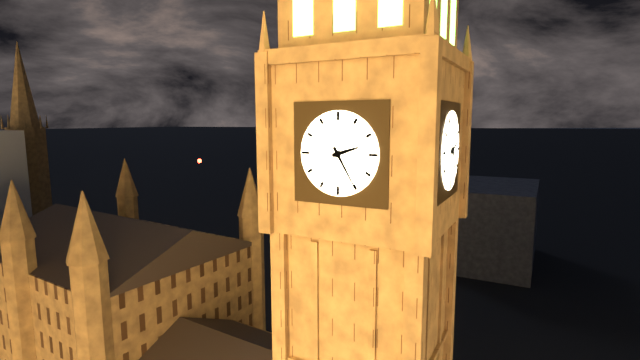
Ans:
h=2 m=25
